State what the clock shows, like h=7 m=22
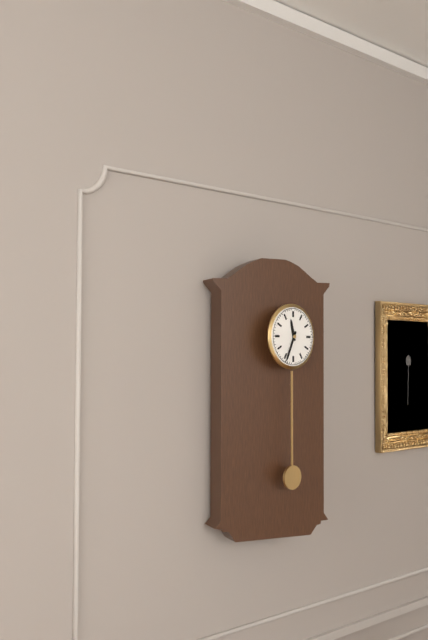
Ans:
h=11 m=34
